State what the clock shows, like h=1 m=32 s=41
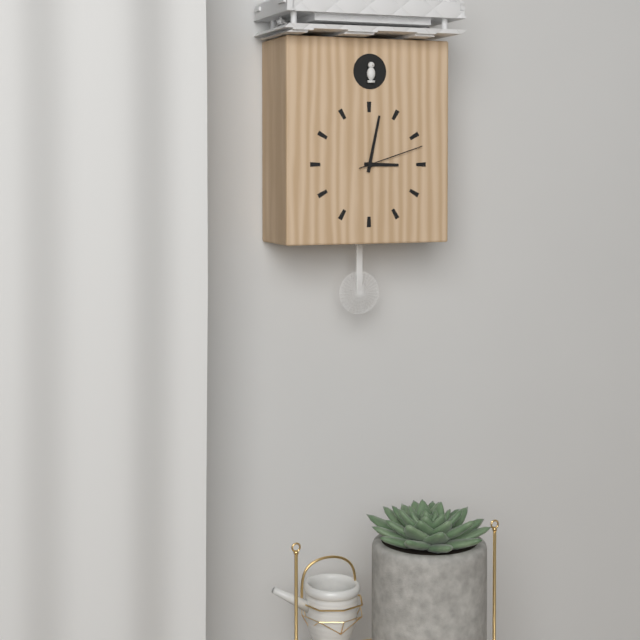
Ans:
h=3 m=2 s=12
